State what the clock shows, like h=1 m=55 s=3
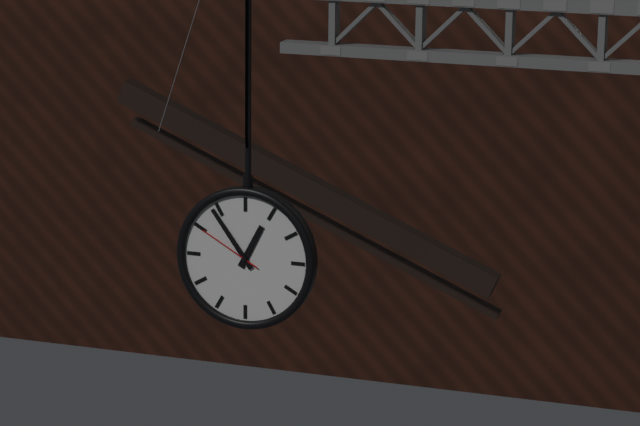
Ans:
h=12 m=54 s=50
